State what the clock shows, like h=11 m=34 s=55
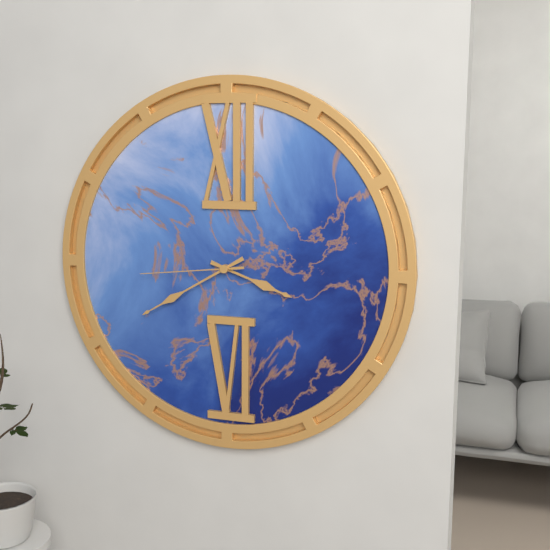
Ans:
h=3 m=40 s=44
